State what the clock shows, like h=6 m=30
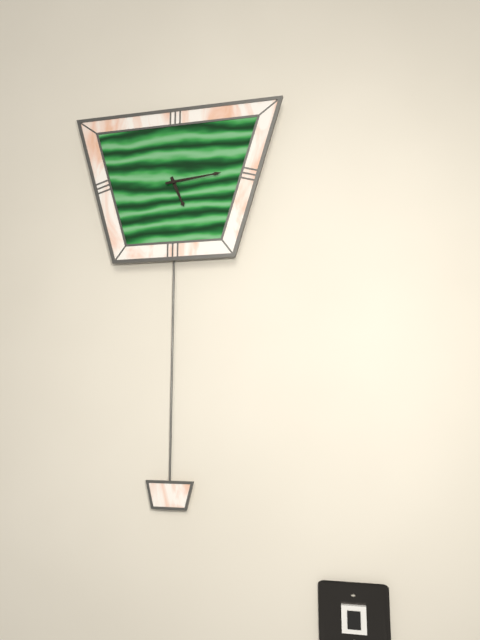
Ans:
h=5 m=14
